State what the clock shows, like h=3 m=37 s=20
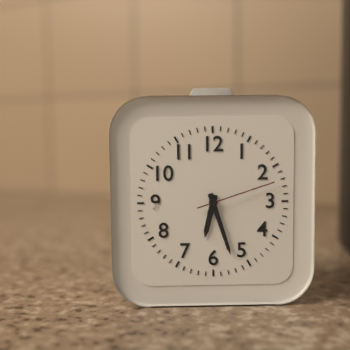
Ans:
h=6 m=27 s=12
